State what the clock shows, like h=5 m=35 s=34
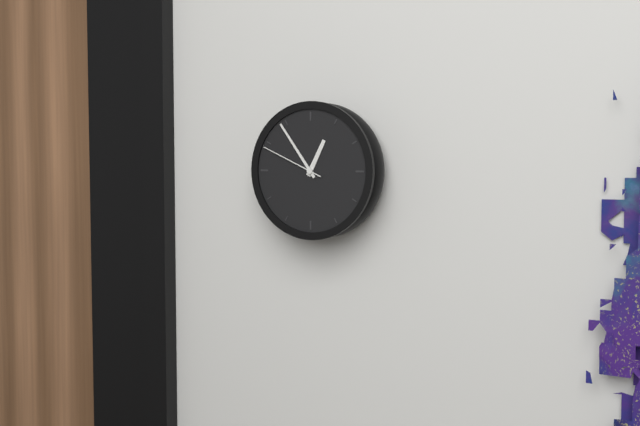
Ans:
h=12 m=54 s=49
